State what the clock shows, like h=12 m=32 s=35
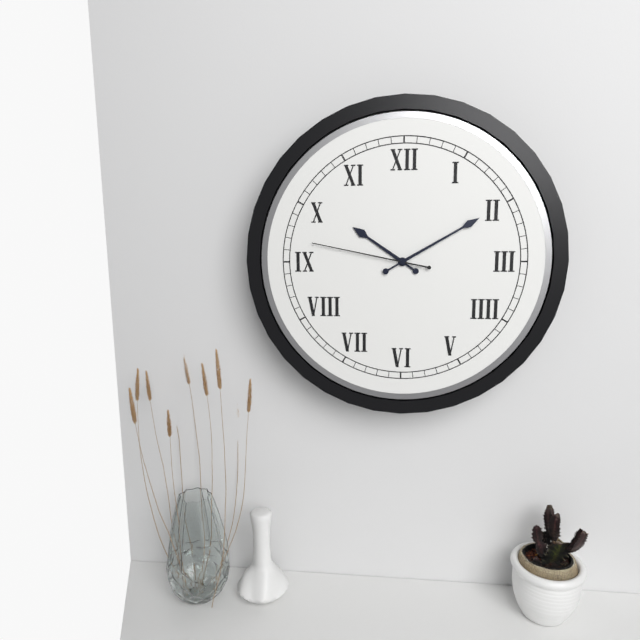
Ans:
h=10 m=10 s=47
